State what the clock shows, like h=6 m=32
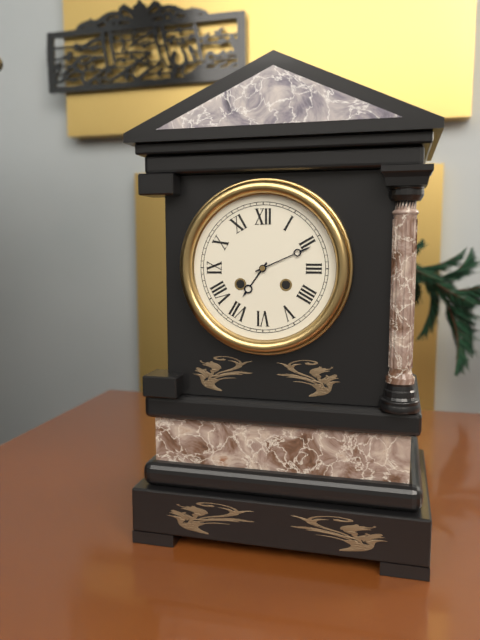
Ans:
h=7 m=11
